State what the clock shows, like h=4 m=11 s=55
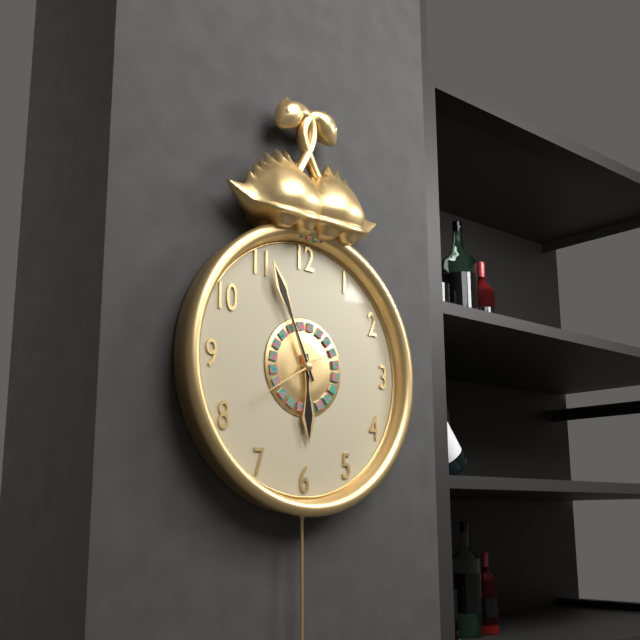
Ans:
h=5 m=56 s=40
